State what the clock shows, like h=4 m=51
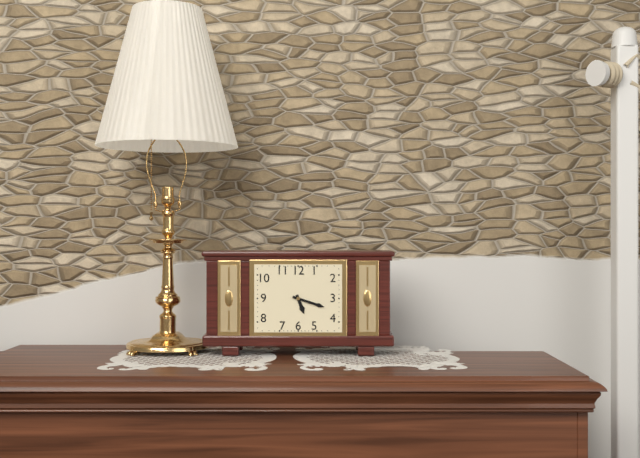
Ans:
h=5 m=18
